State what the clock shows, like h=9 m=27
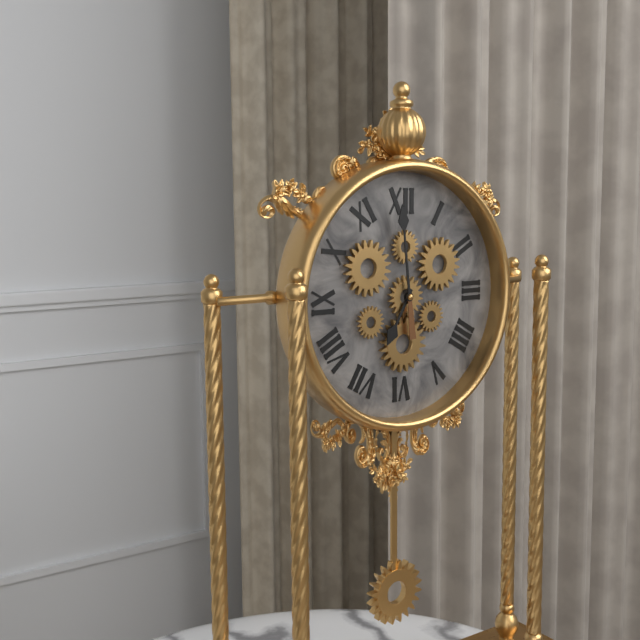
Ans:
h=6 m=59
